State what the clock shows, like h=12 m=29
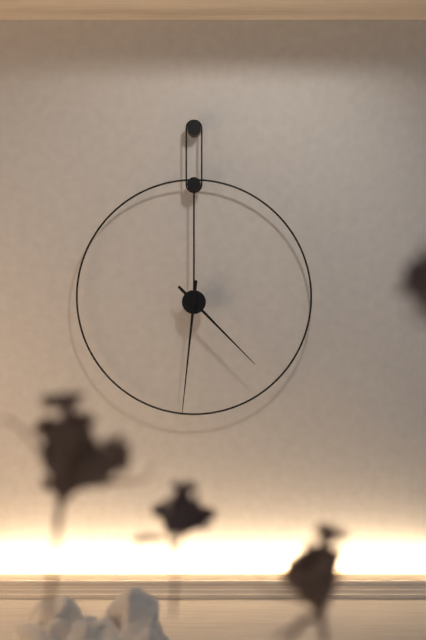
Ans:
h=4 m=31
